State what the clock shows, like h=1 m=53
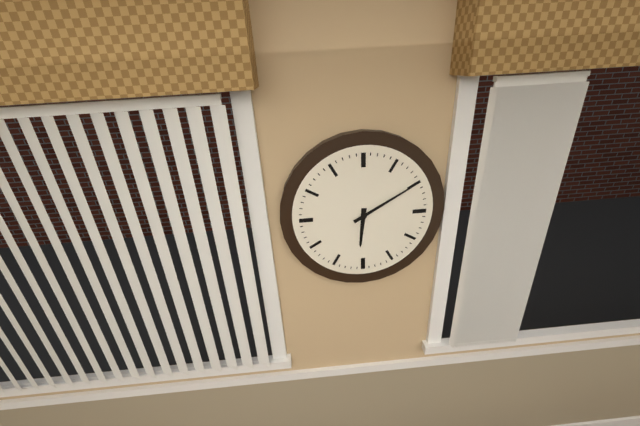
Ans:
h=6 m=10
